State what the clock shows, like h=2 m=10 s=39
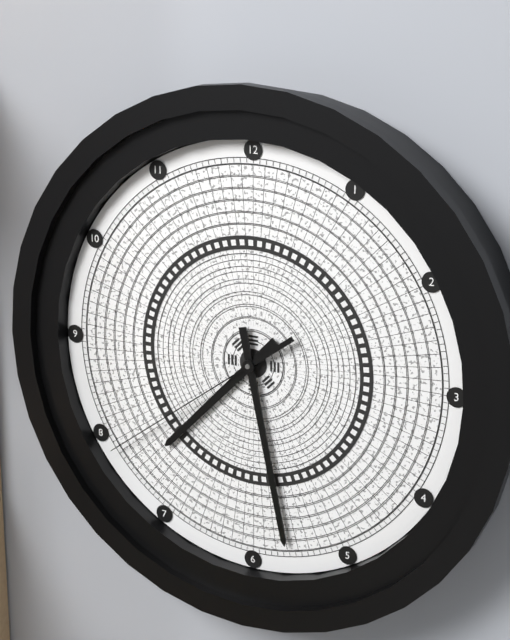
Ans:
h=7 m=28 s=39
